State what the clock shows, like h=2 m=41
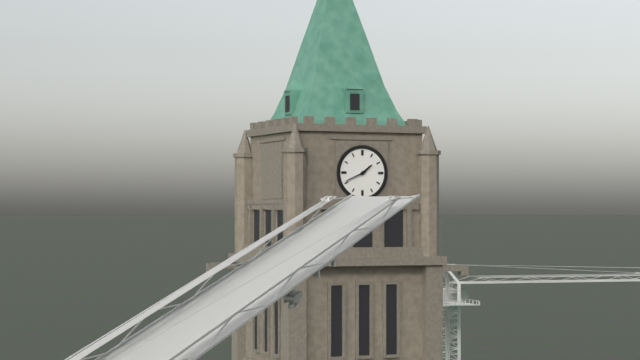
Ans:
h=1 m=41
